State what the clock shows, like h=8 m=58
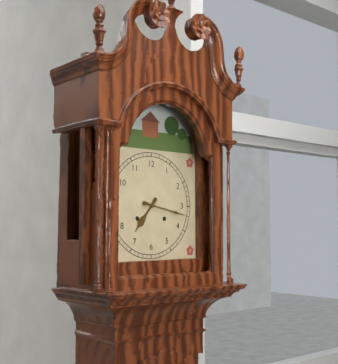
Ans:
h=7 m=17
